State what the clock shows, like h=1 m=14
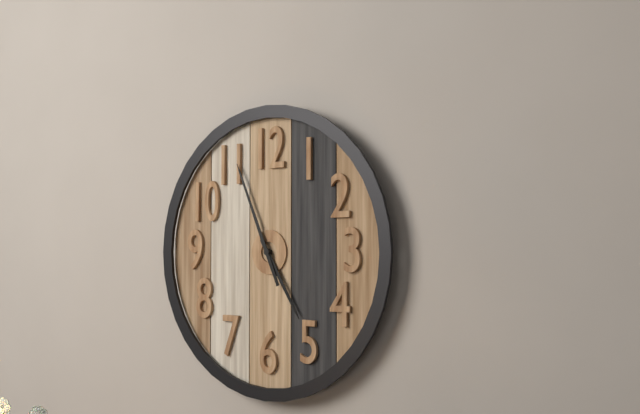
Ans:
h=4 m=56
